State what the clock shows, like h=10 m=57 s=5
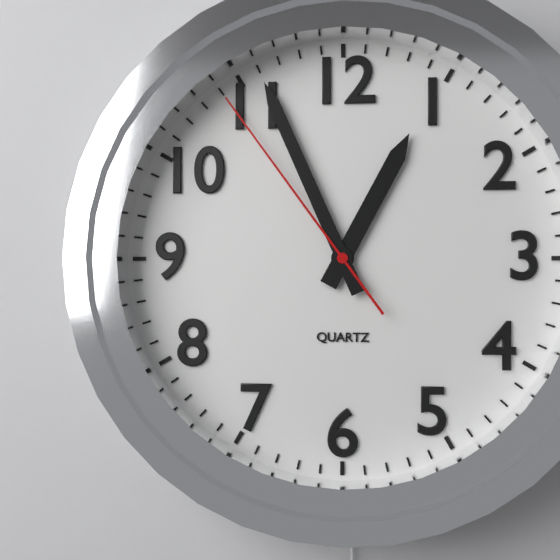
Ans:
h=12 m=56 s=54
